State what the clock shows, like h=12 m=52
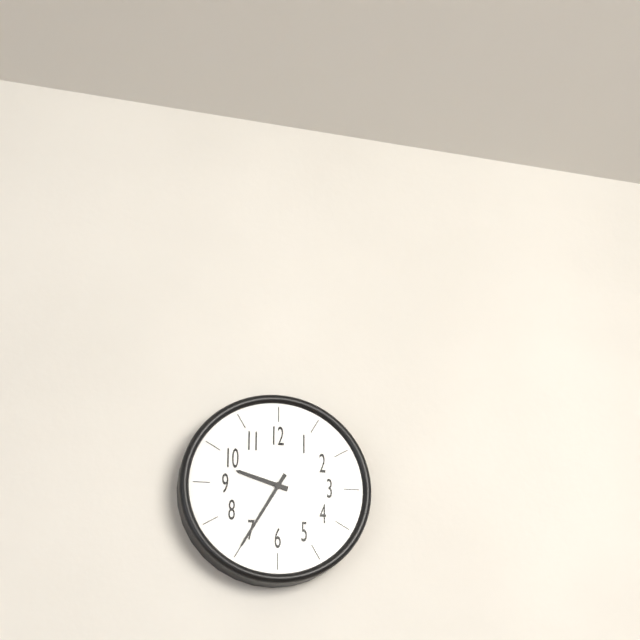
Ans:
h=9 m=35
